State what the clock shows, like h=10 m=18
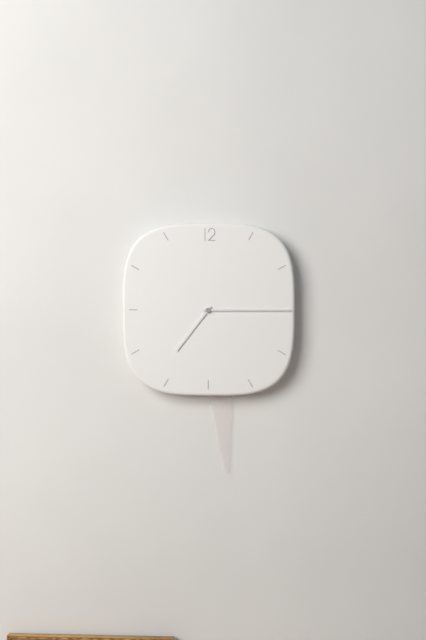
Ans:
h=7 m=15
